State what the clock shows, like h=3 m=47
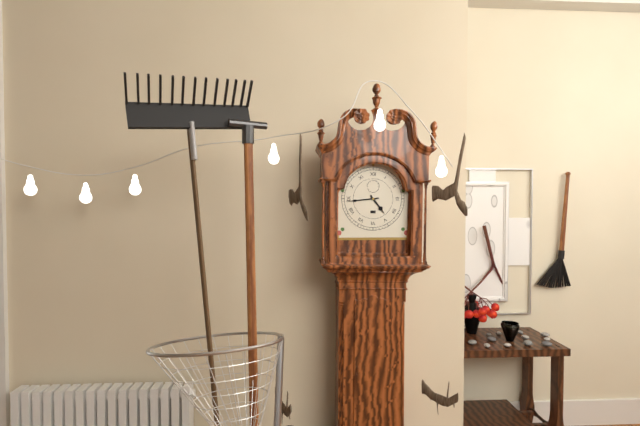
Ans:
h=4 m=44
